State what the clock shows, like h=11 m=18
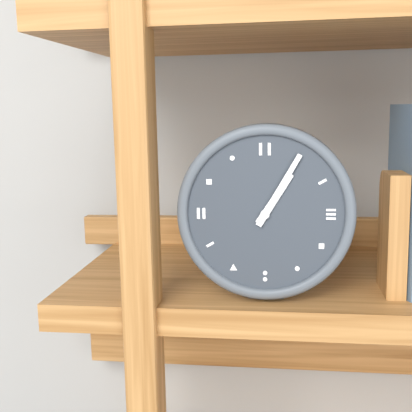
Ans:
h=1 m=5
